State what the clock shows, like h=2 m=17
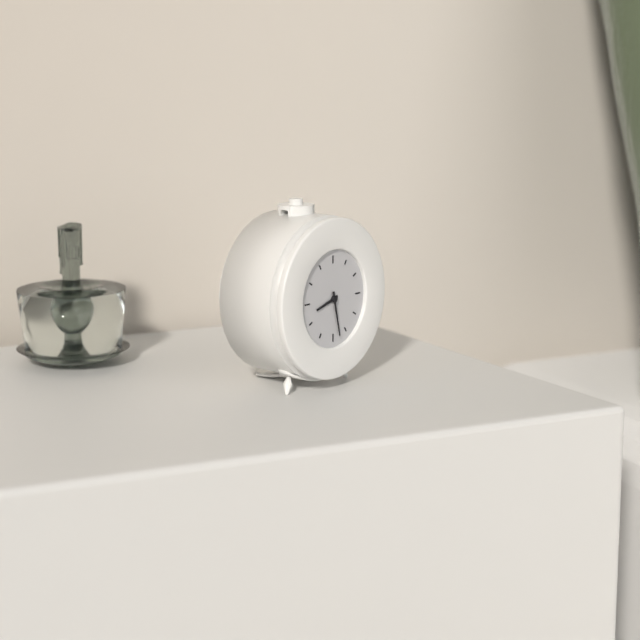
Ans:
h=8 m=28
